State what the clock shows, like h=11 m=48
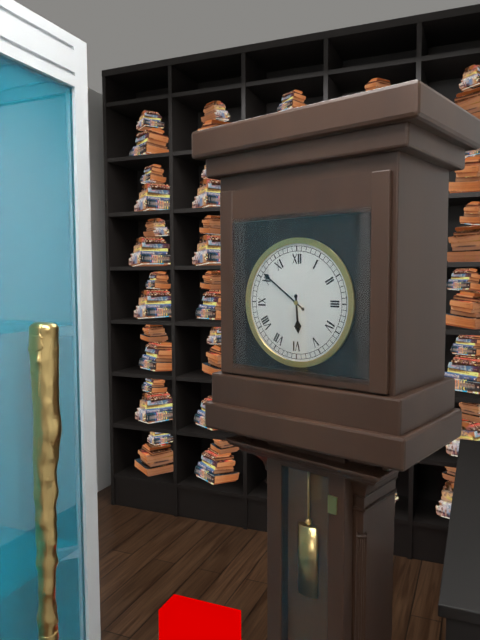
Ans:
h=5 m=51
